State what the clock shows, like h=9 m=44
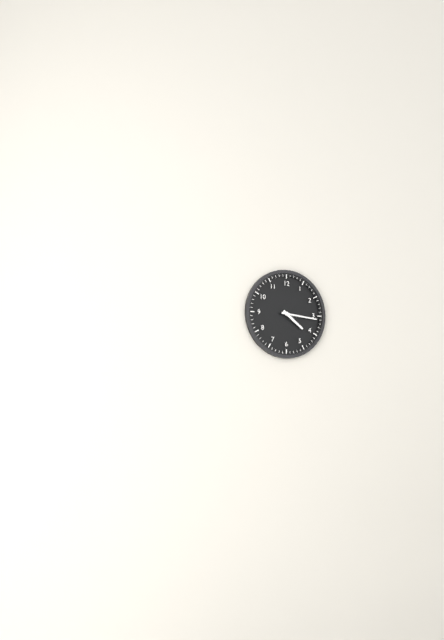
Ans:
h=4 m=16
